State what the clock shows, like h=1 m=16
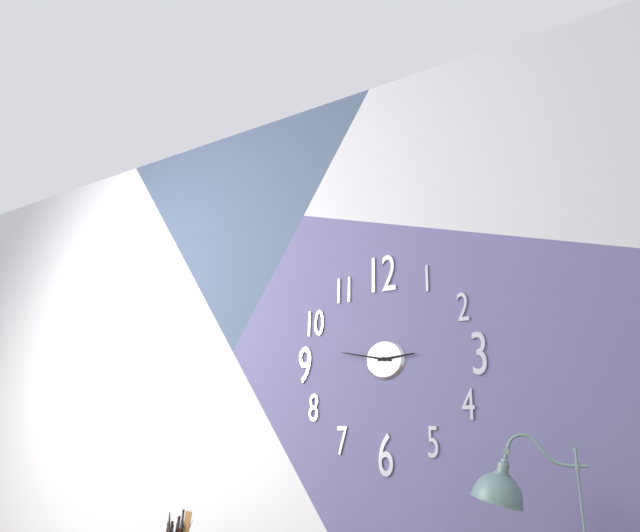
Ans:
h=2 m=47
